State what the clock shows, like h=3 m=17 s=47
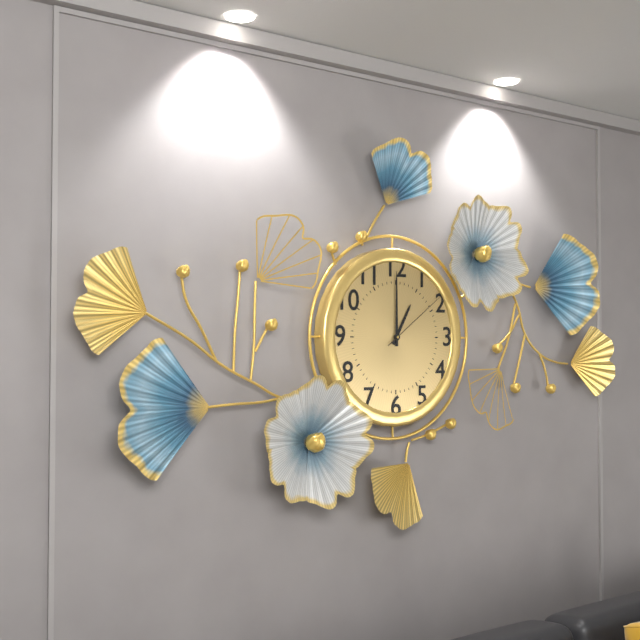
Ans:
h=1 m=0 s=9
